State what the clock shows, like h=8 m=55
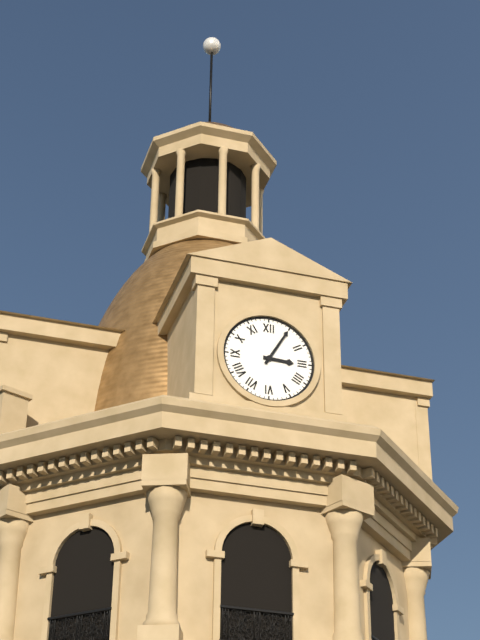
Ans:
h=3 m=5
